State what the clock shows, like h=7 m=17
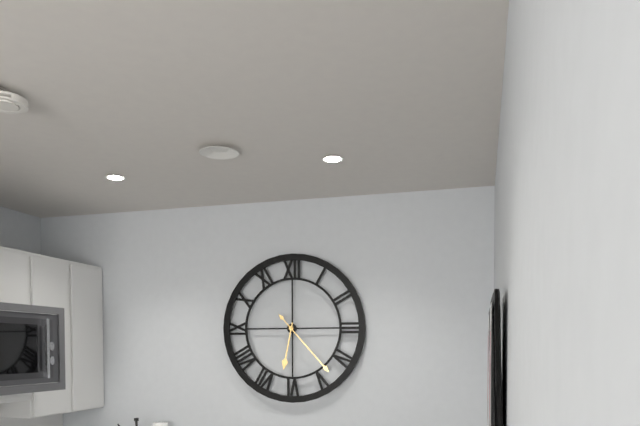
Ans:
h=6 m=23
